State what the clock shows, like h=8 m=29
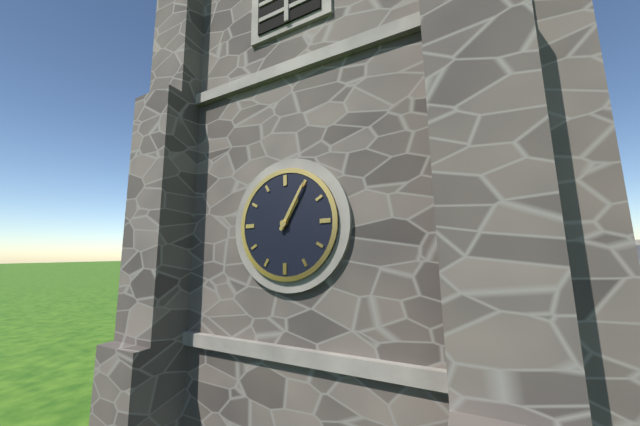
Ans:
h=1 m=5
